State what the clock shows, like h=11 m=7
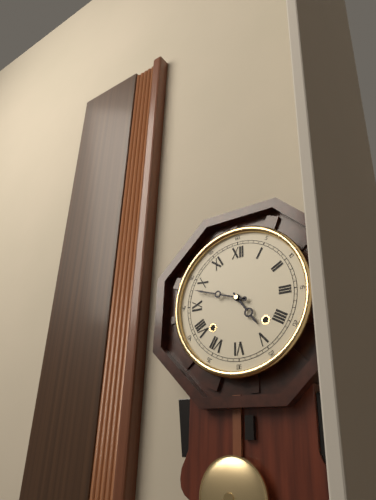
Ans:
h=4 m=48
